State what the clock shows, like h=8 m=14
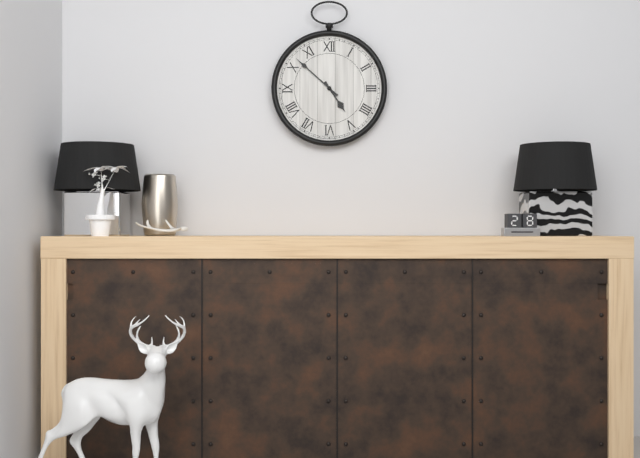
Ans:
h=4 m=52
